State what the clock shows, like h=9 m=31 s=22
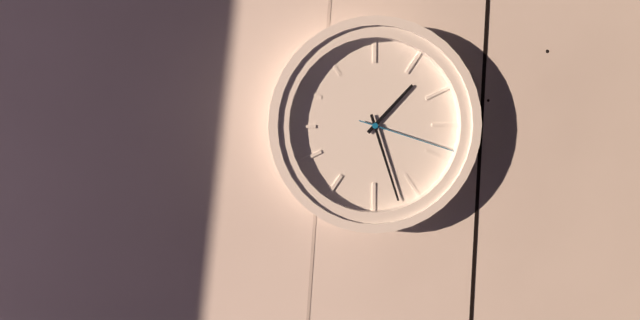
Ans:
h=1 m=27 s=18
